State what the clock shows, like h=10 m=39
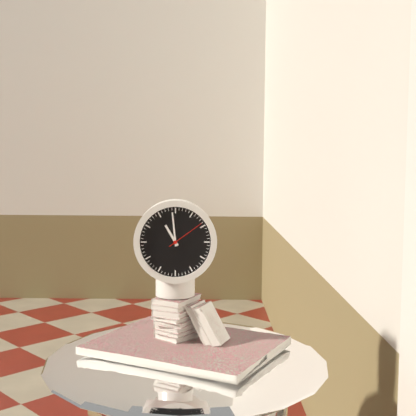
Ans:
h=10 m=59
